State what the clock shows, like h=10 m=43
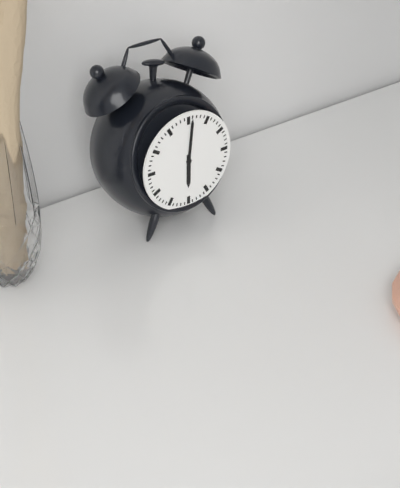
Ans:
h=6 m=1
